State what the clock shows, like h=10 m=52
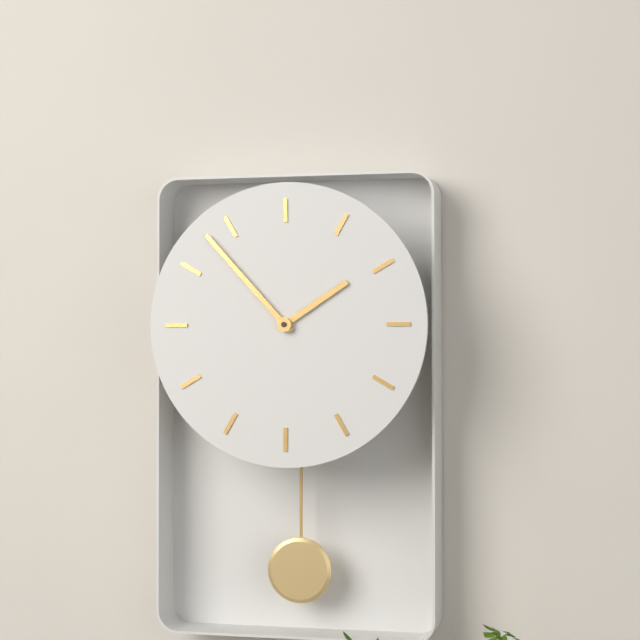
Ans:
h=1 m=53
